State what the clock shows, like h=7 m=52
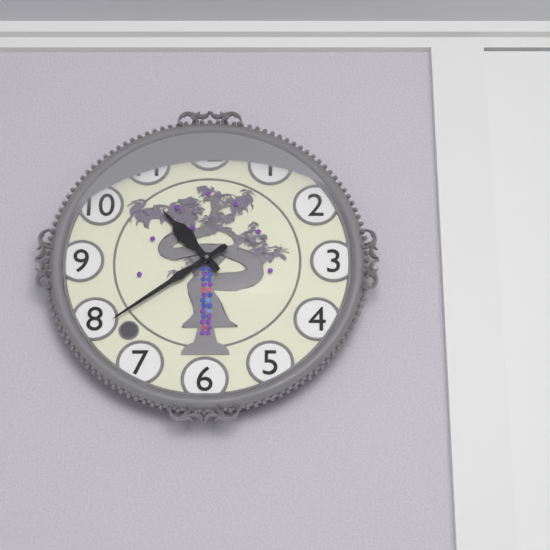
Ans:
h=10 m=39
